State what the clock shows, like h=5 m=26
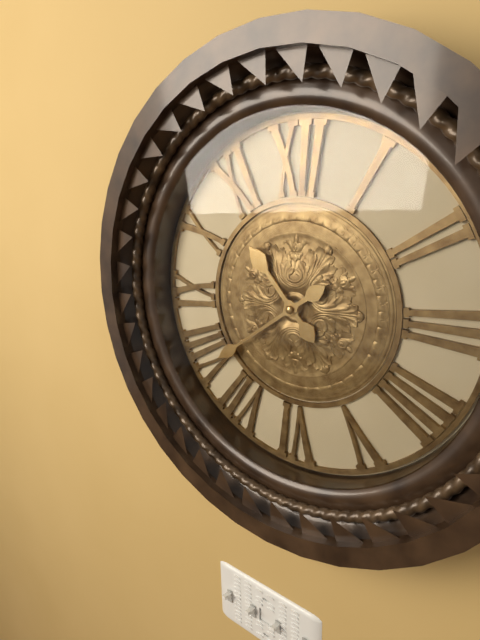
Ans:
h=10 m=39
